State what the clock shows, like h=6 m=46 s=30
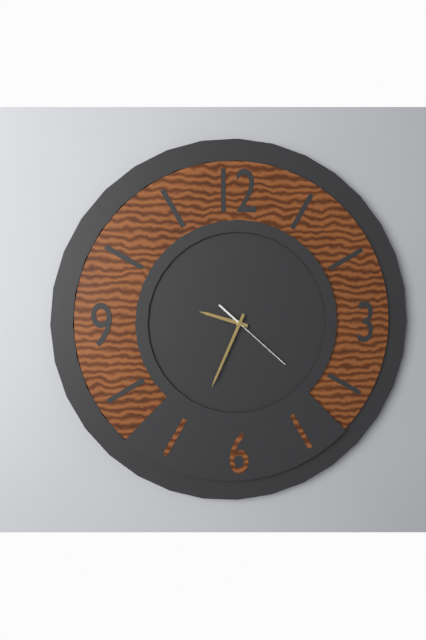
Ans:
h=9 m=34 s=22
